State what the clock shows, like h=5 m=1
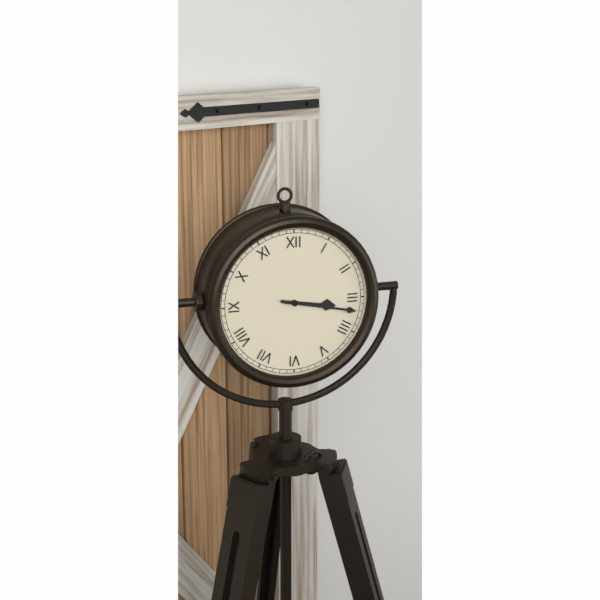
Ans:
h=3 m=17
